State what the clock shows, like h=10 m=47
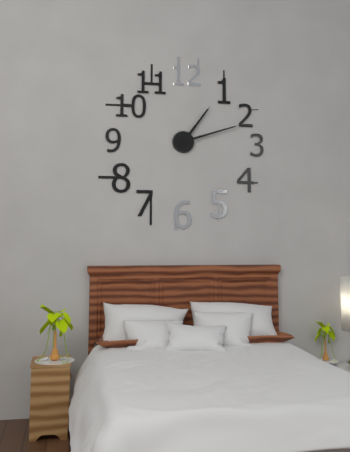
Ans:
h=1 m=12
